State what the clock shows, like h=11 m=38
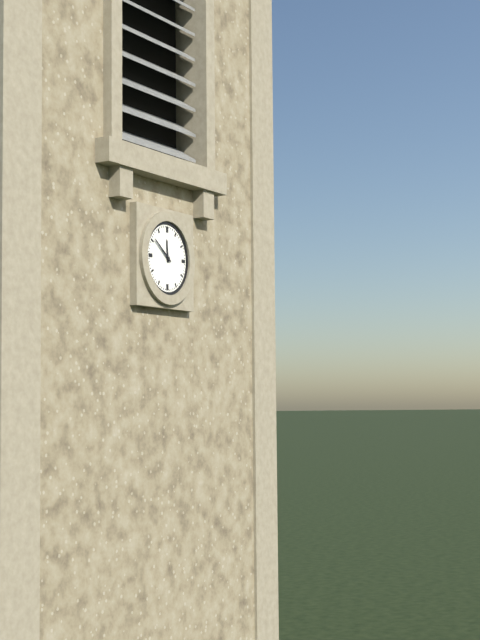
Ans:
h=11 m=51
